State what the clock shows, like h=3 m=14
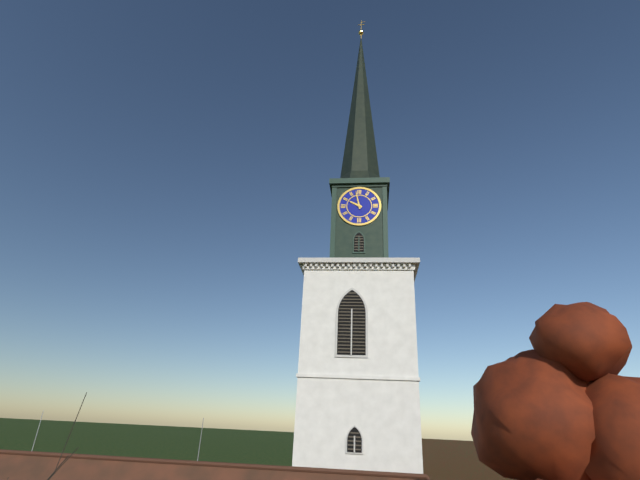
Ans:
h=9 m=58
